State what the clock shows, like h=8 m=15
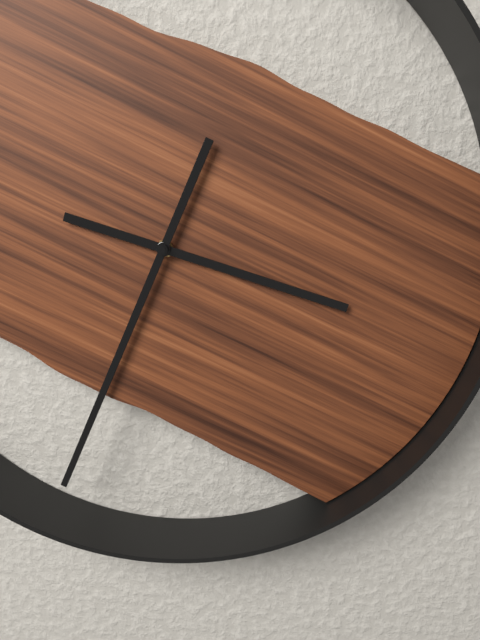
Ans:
h=3 m=34
